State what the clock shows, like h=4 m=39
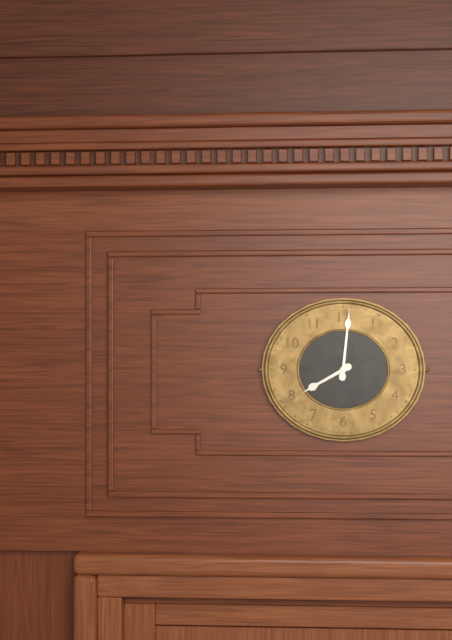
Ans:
h=8 m=1
